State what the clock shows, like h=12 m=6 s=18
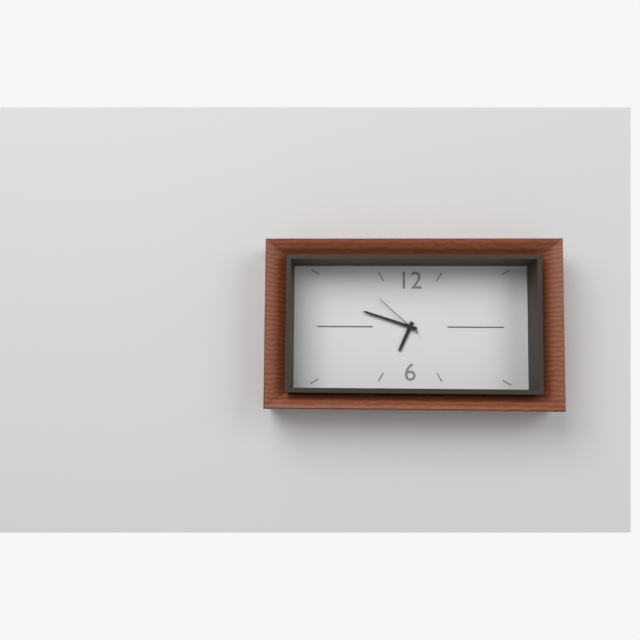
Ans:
h=6 m=48 s=52
